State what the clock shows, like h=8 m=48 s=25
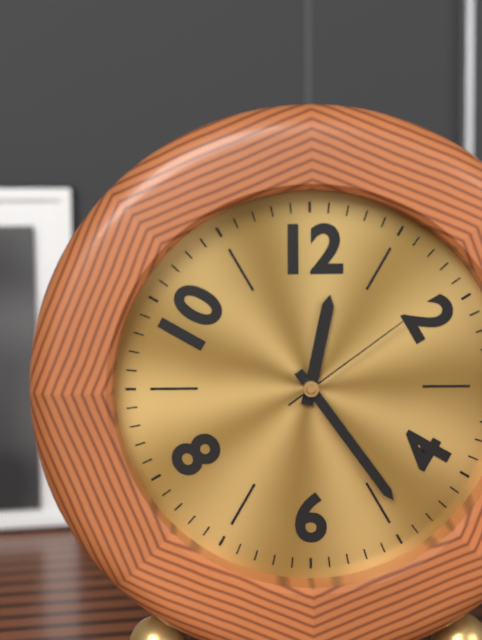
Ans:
h=12 m=24 s=9
